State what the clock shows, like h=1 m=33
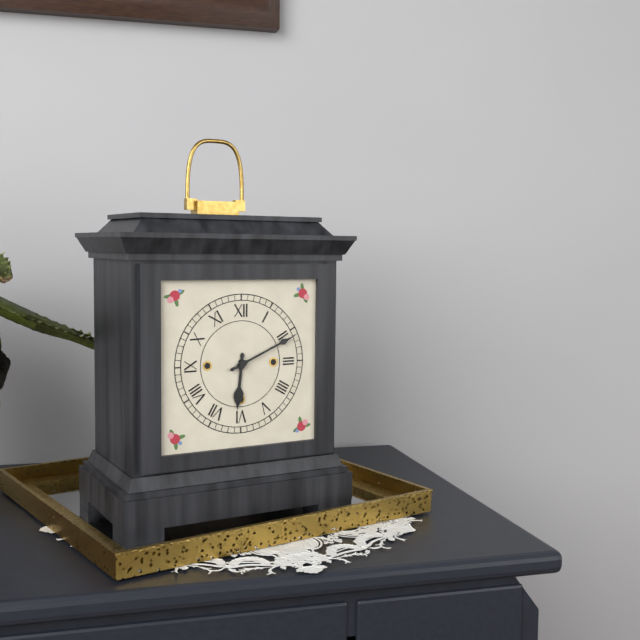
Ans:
h=6 m=11
